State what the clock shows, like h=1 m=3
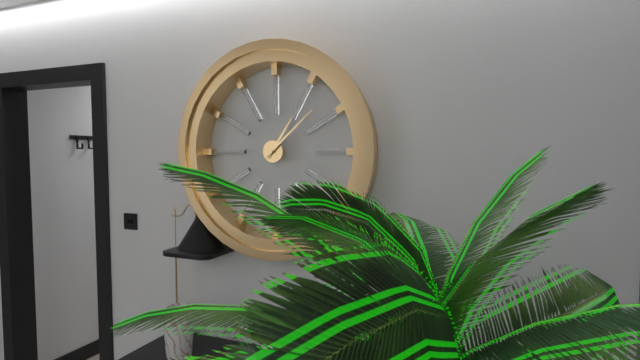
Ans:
h=1 m=8
